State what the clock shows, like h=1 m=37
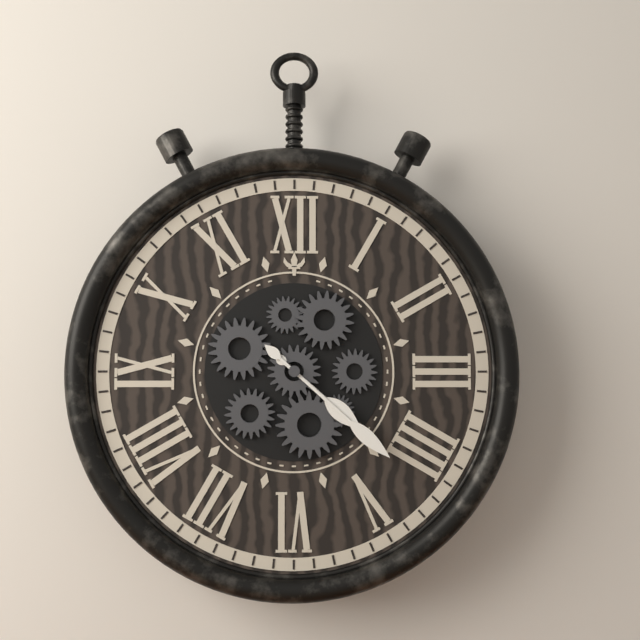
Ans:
h=4 m=22
